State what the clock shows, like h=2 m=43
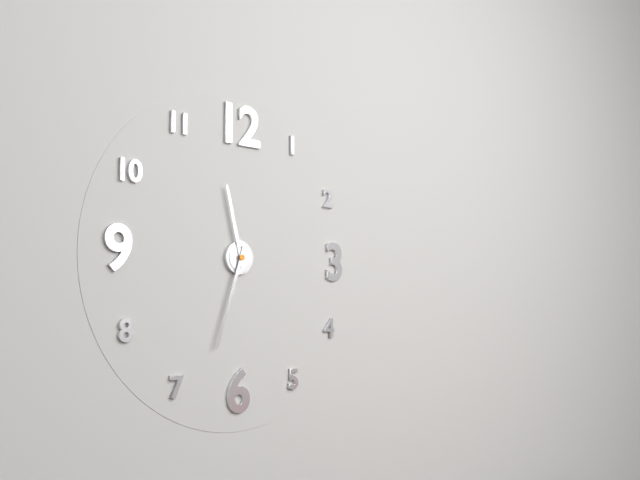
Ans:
h=11 m=33
